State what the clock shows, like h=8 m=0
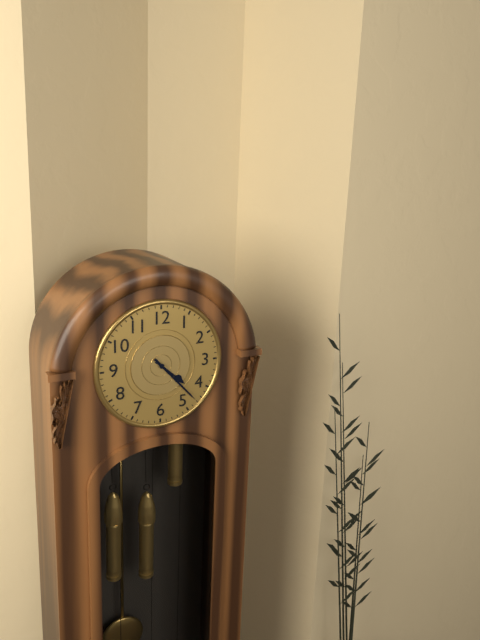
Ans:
h=4 m=23
